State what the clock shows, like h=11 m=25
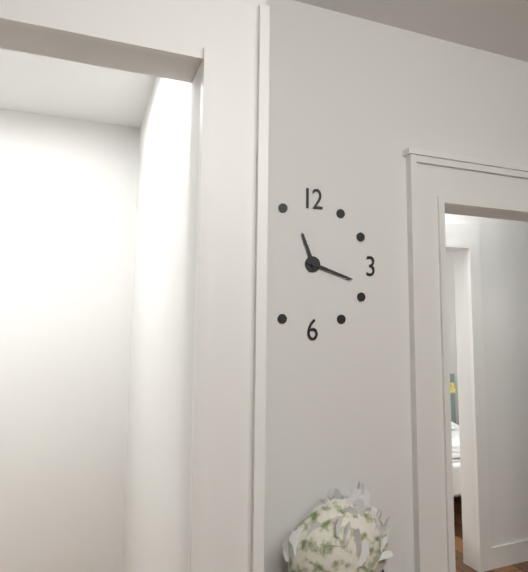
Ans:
h=11 m=18
